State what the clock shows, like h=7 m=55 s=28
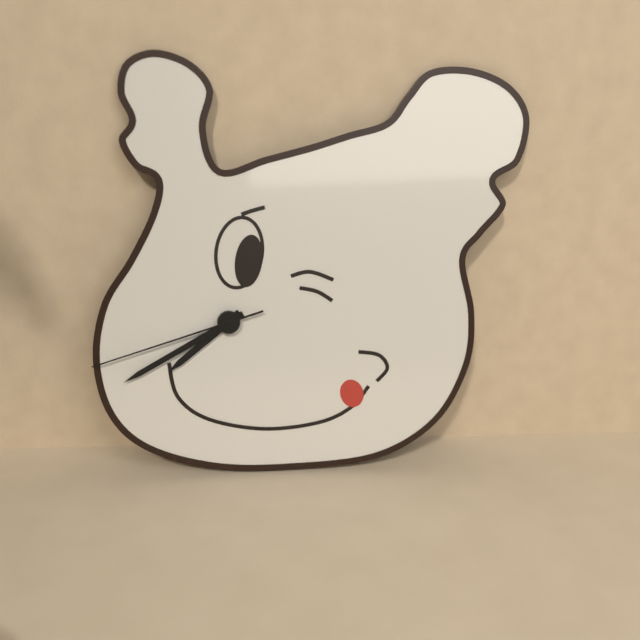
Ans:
h=7 m=40 s=42
